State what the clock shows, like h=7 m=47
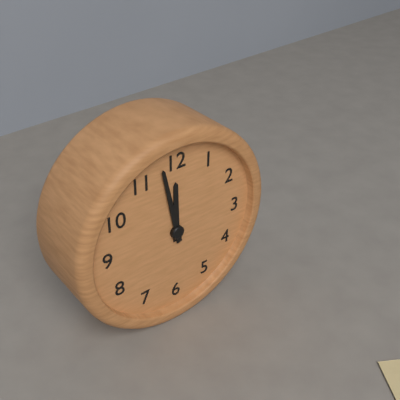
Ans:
h=11 m=58
